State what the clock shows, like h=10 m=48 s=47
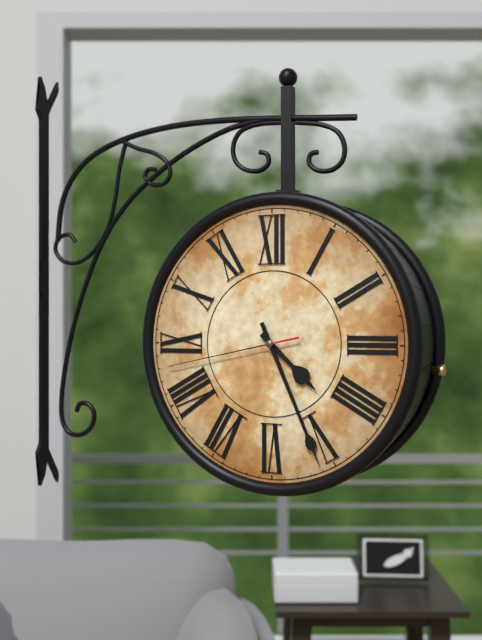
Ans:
h=4 m=26 s=43
